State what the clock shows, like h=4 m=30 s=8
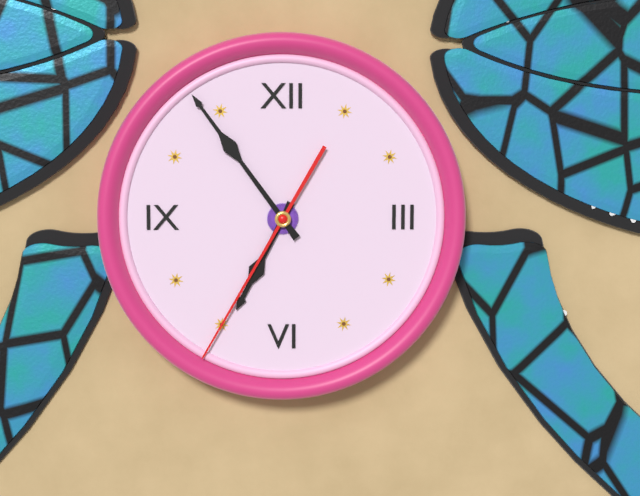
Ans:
h=6 m=54 s=35
